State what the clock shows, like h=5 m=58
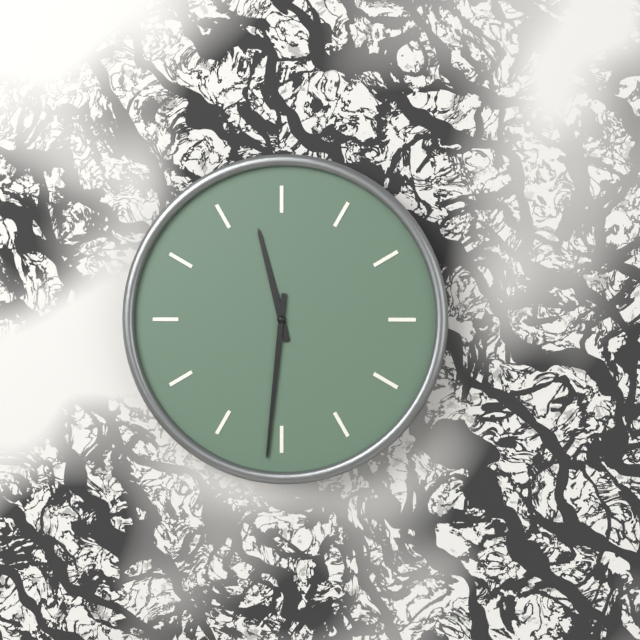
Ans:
h=11 m=31
